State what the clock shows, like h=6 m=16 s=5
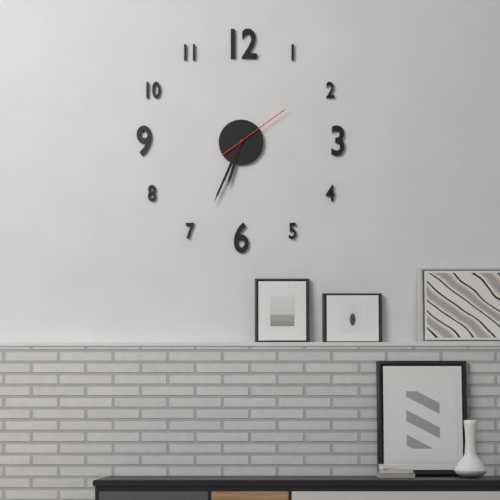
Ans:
h=6 m=34 s=9
